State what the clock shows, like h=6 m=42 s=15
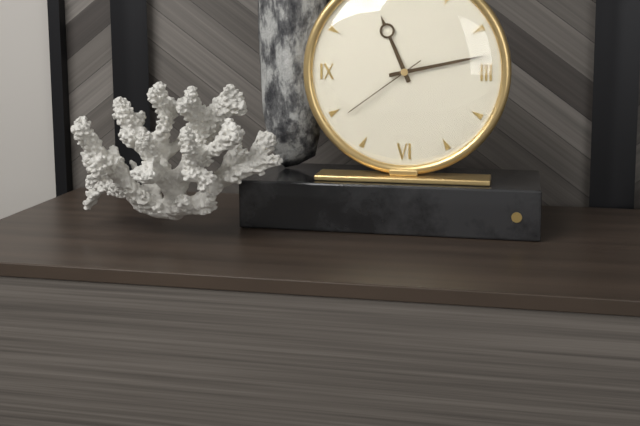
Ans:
h=11 m=13 s=39
